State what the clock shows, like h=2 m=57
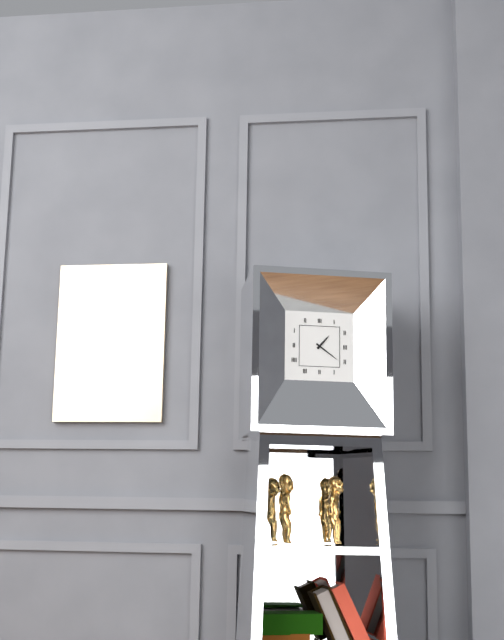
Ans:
h=1 m=21
